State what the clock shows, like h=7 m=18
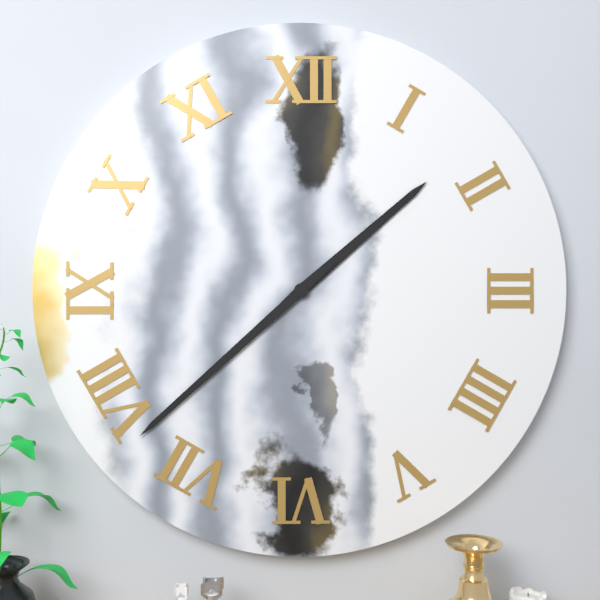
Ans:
h=1 m=38
